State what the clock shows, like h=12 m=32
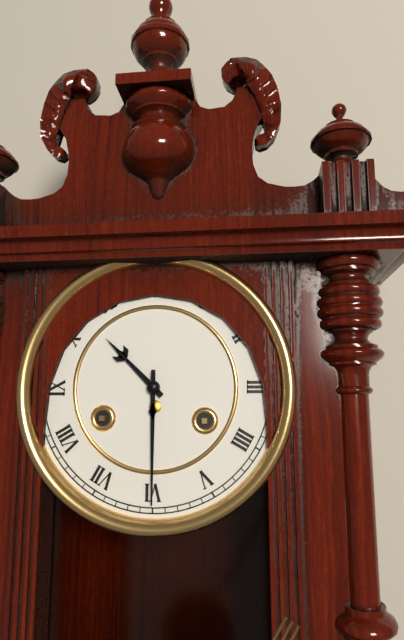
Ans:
h=10 m=30
